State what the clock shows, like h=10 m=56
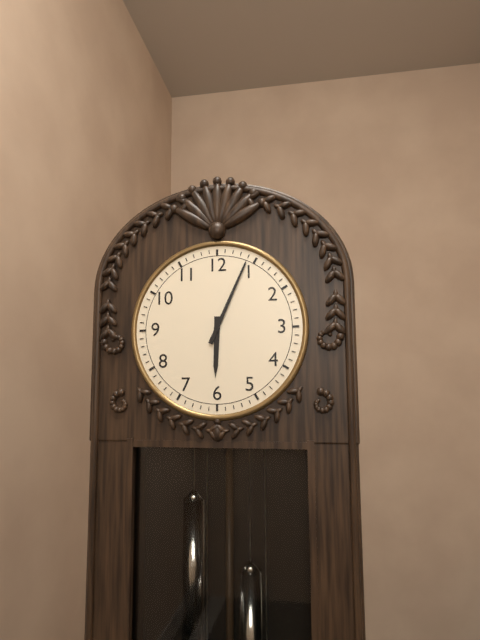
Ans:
h=6 m=4
